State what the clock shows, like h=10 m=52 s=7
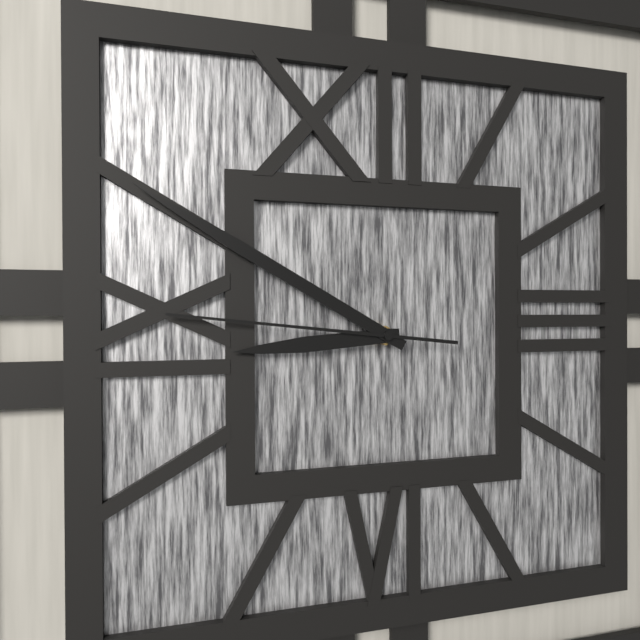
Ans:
h=8 m=50 s=46
